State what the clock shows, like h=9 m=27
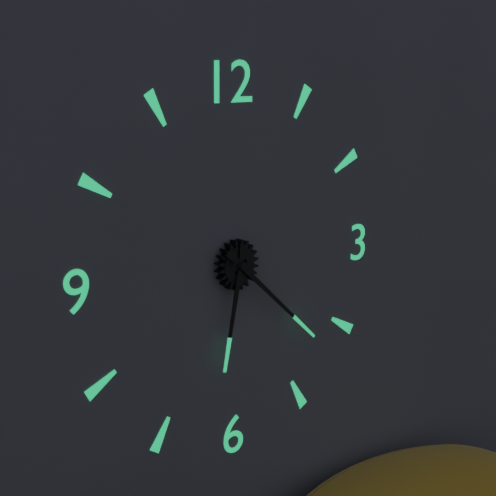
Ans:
h=6 m=22
